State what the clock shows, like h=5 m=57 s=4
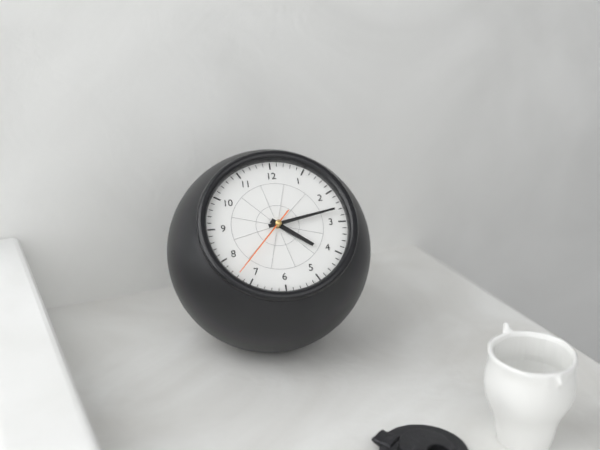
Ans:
h=4 m=13 s=37
